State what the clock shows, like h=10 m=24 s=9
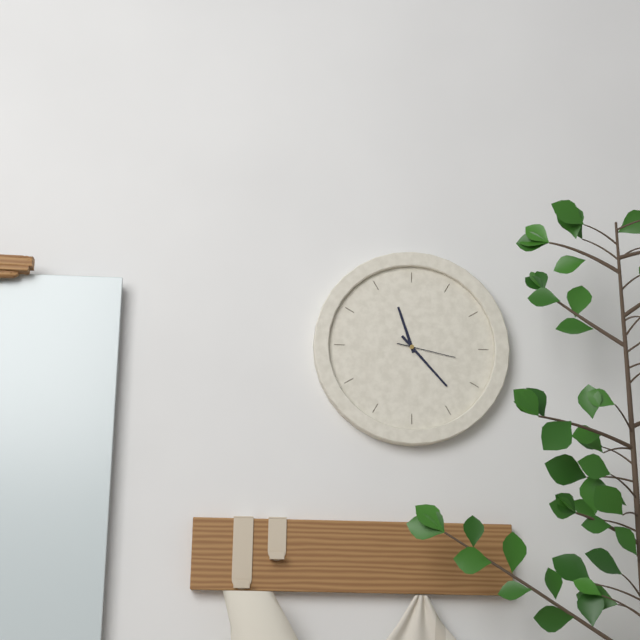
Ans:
h=11 m=23 s=17
